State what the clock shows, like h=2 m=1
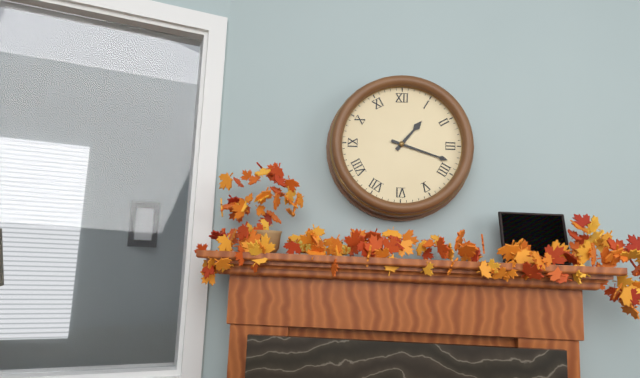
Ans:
h=1 m=18
